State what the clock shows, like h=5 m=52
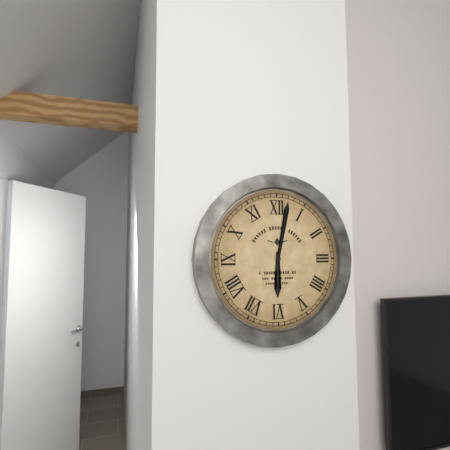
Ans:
h=6 m=2
